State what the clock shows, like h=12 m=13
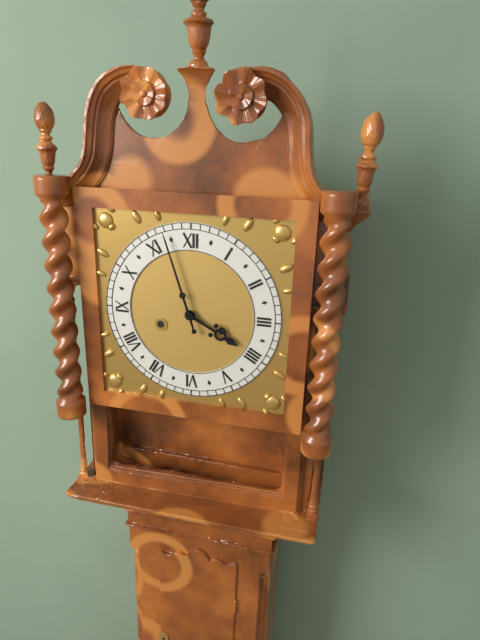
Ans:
h=3 m=57
